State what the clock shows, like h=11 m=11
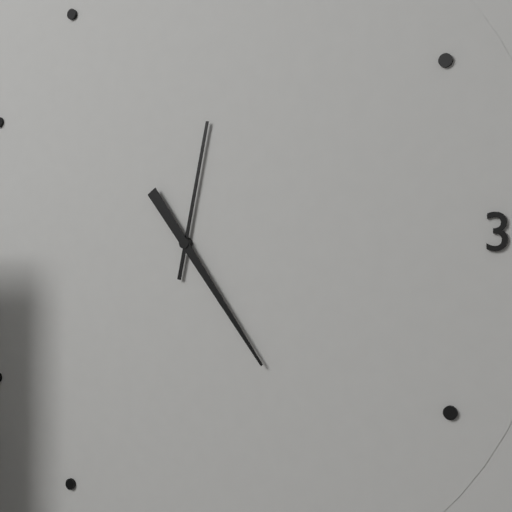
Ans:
h=12 m=24
